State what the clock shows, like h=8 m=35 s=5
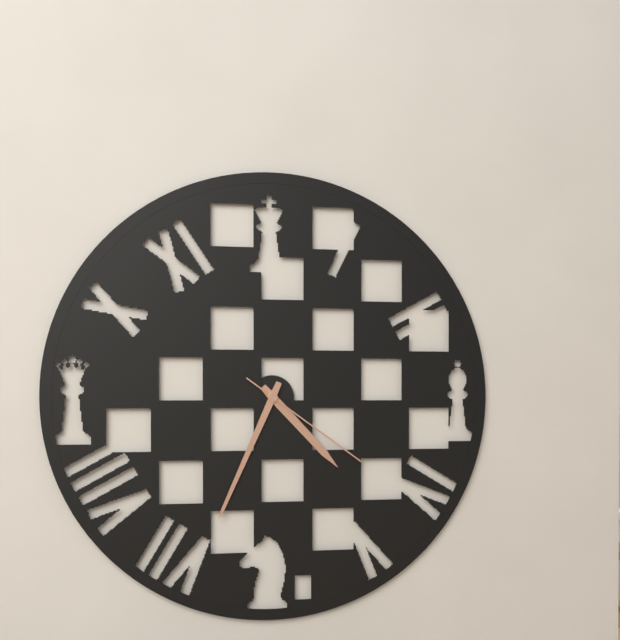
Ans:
h=4 m=34 s=21
